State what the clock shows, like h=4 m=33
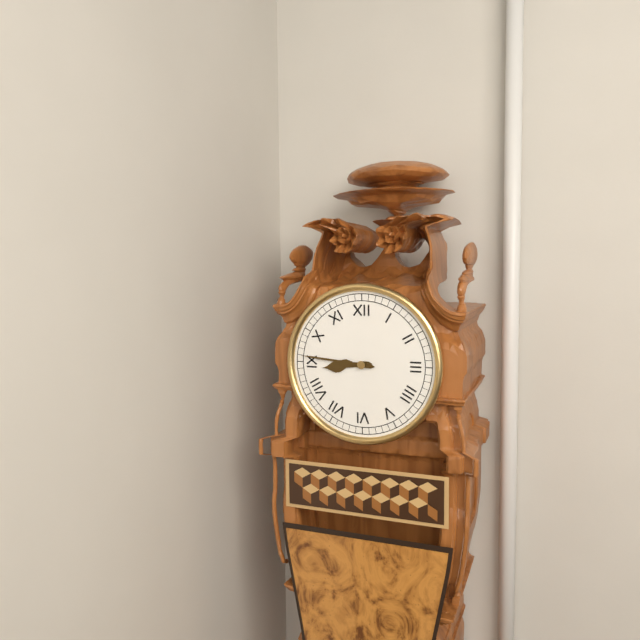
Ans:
h=8 m=46
